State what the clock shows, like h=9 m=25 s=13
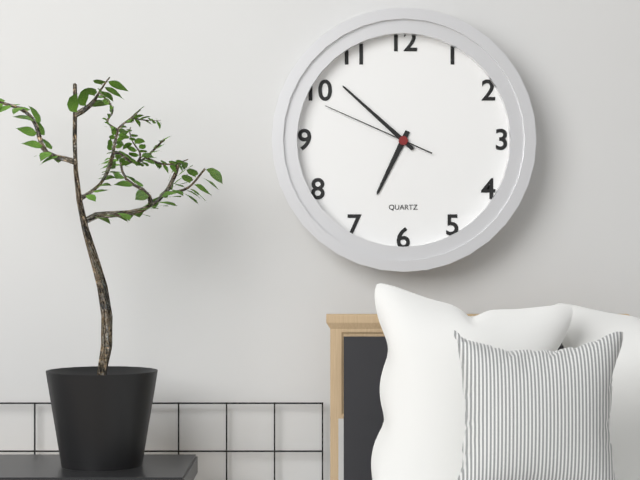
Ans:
h=6 m=52 s=49
